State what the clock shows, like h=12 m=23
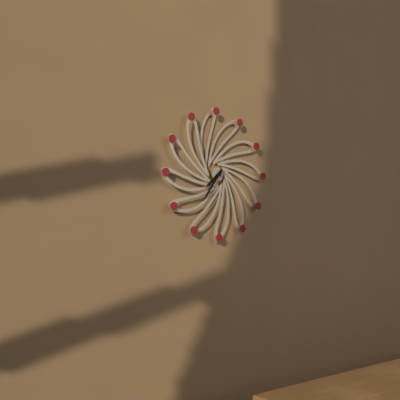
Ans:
h=7 m=36
